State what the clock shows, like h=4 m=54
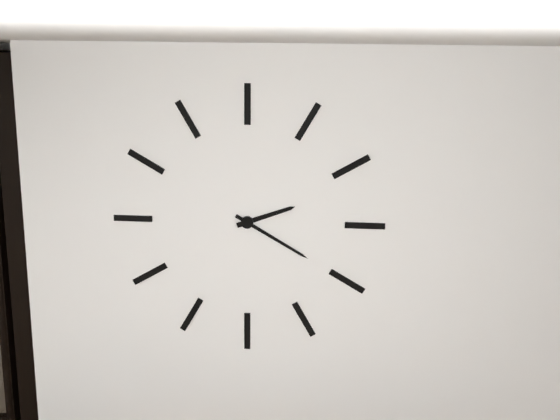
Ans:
h=2 m=20
